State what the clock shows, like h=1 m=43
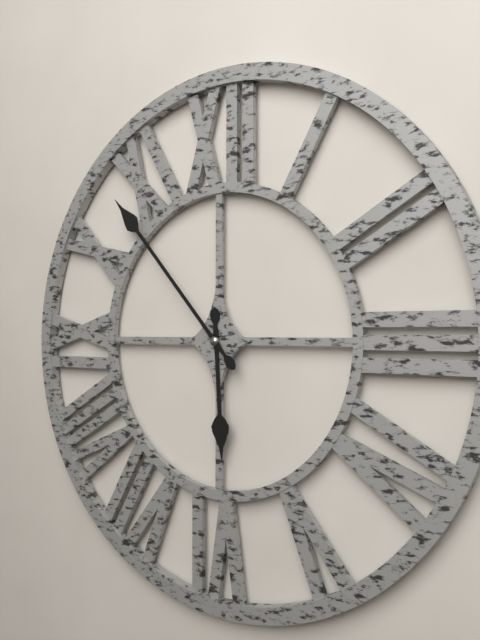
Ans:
h=5 m=53
